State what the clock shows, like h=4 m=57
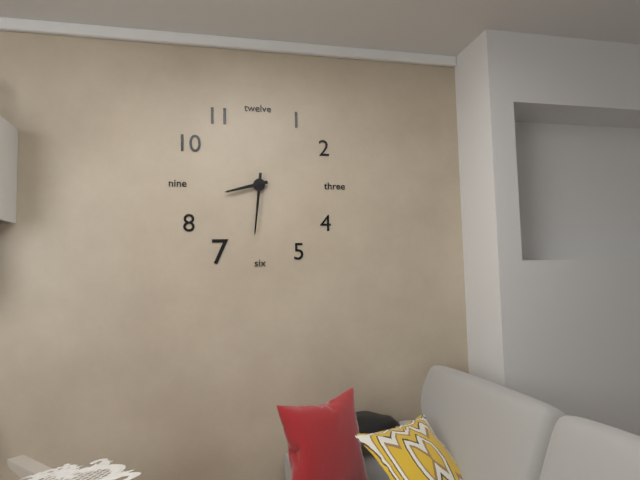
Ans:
h=8 m=31
